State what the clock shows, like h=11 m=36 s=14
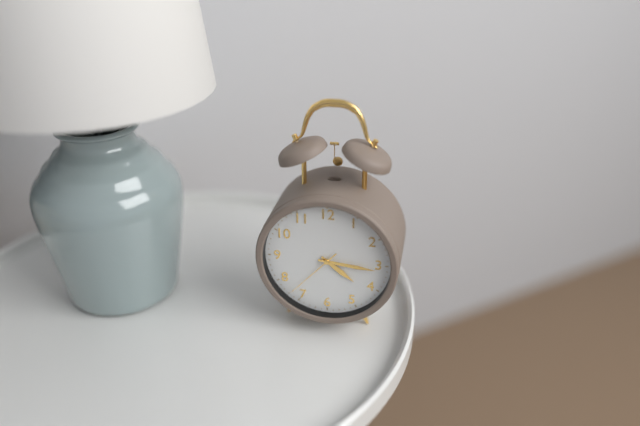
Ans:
h=4 m=16 s=37
